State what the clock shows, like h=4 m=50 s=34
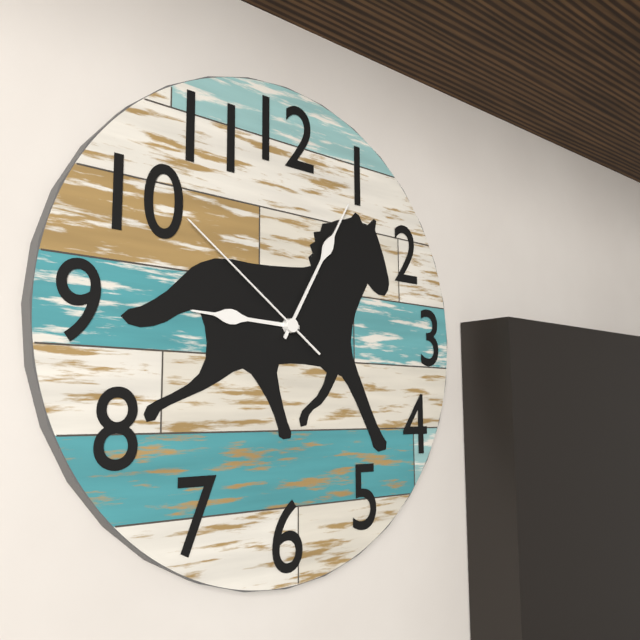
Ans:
h=9 m=5 s=51
